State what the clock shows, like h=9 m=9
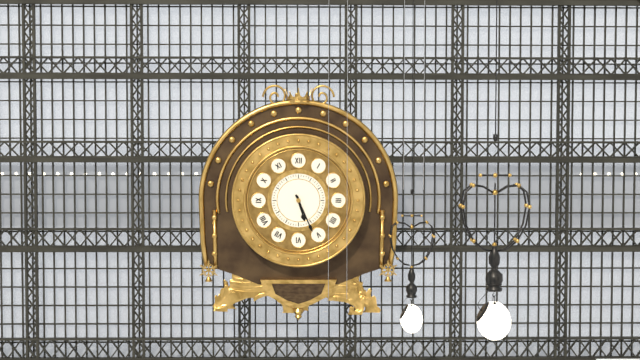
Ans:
h=5 m=26
